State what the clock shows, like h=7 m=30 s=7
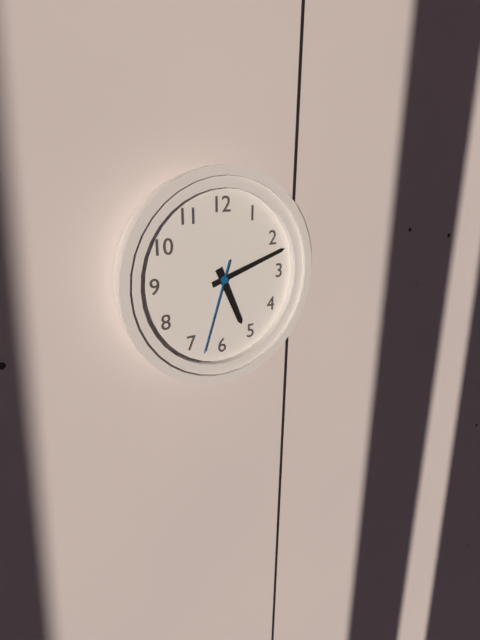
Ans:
h=5 m=12 s=33
